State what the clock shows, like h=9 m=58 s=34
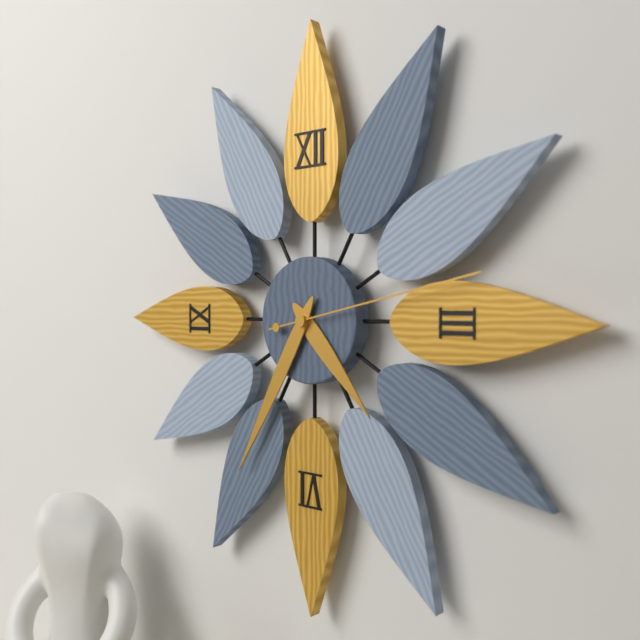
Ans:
h=4 m=35 s=13
